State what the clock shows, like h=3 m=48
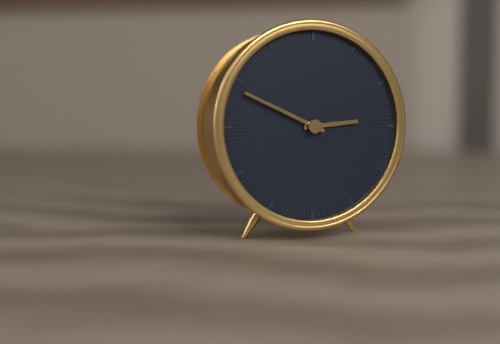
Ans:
h=2 m=49
